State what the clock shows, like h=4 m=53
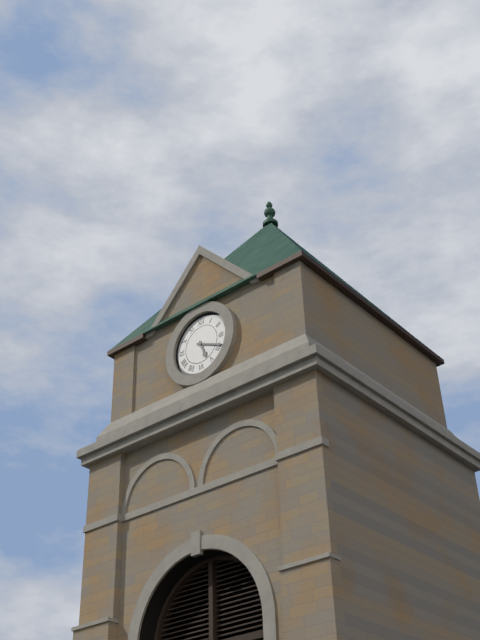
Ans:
h=5 m=19
